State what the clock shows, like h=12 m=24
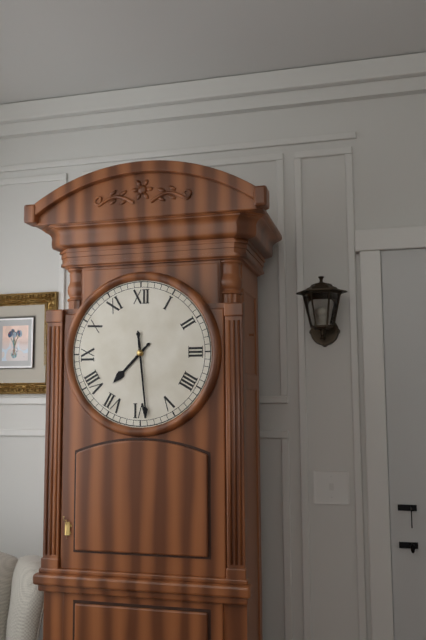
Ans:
h=7 m=29
